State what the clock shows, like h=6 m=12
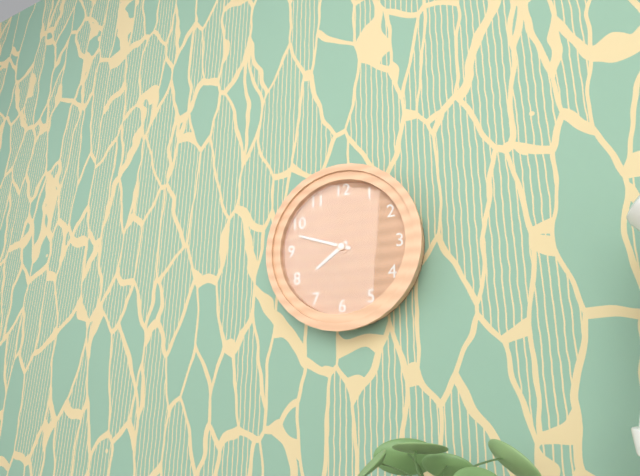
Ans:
h=7 m=48
